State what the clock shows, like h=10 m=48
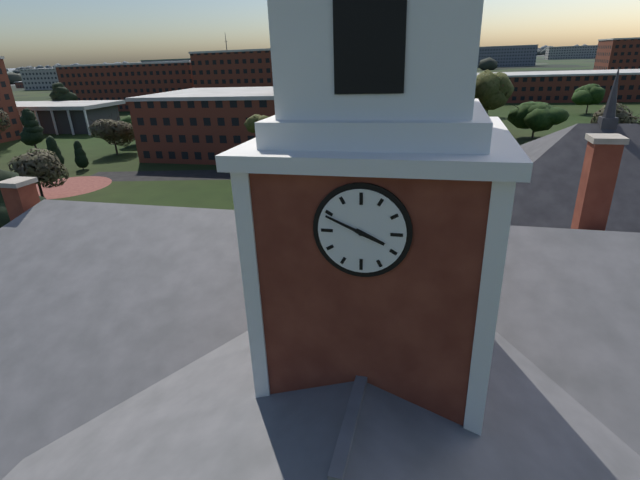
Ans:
h=3 m=49
